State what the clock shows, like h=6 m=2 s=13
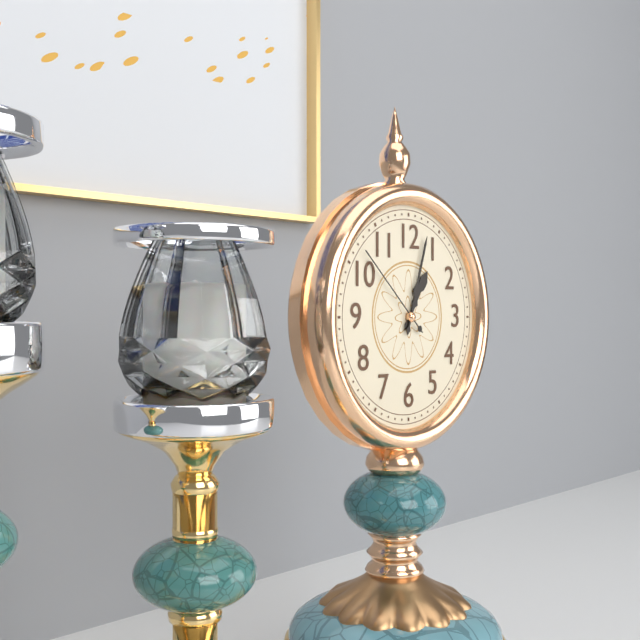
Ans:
h=1 m=3 s=52
